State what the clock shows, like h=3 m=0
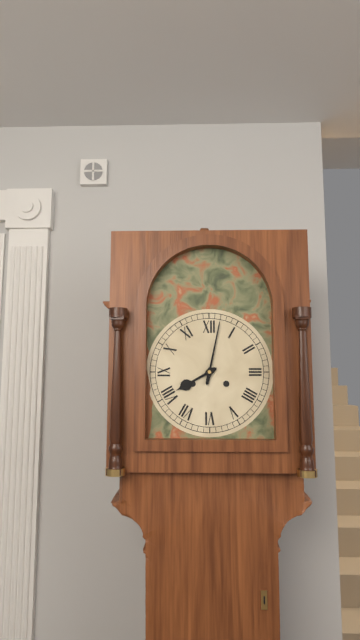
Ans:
h=8 m=2
